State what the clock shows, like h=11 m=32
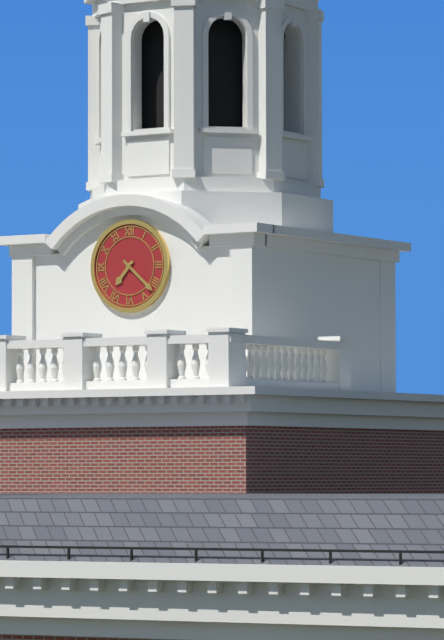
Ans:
h=7 m=22
